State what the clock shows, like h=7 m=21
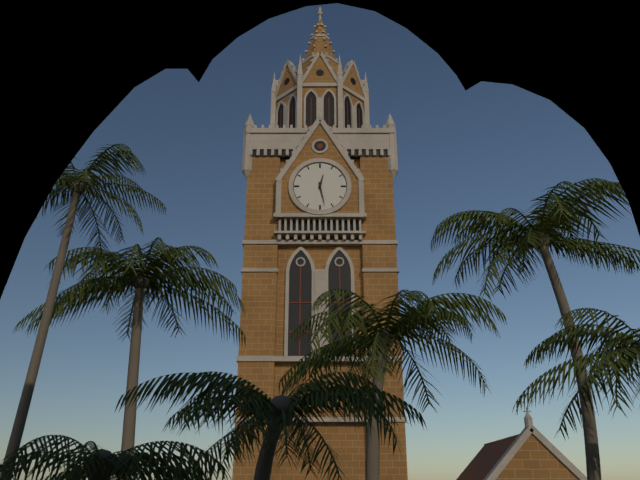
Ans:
h=12 m=28
